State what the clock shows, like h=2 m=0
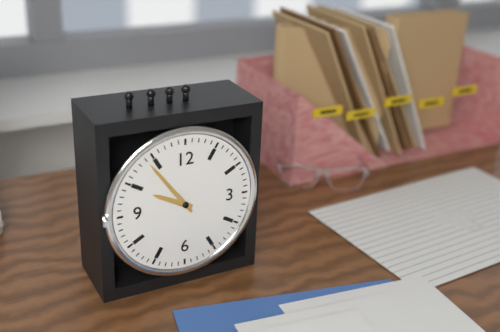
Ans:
h=9 m=54
